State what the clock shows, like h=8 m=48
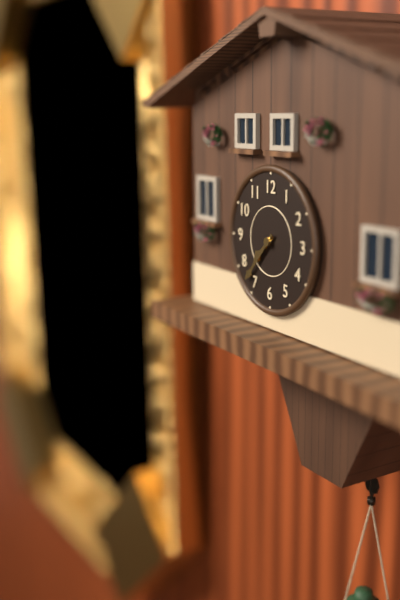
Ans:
h=7 m=37
